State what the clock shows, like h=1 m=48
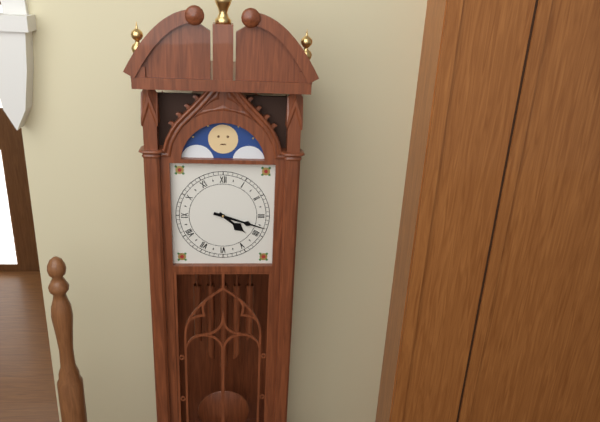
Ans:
h=4 m=18
